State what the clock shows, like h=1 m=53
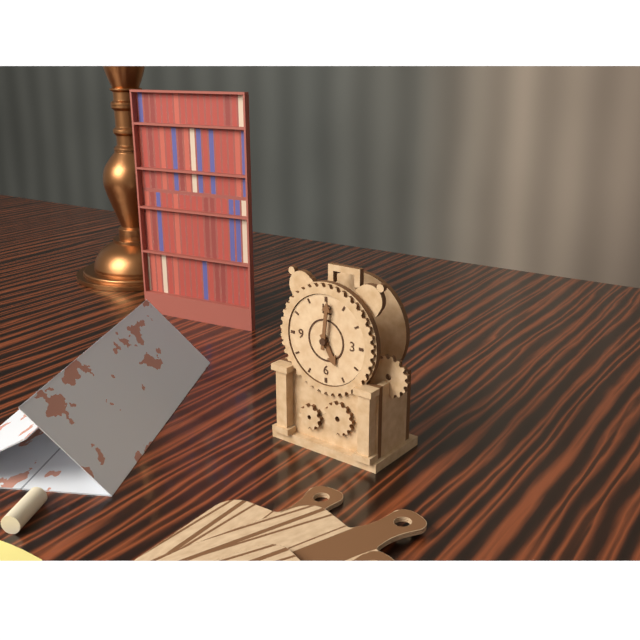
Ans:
h=5 m=1
